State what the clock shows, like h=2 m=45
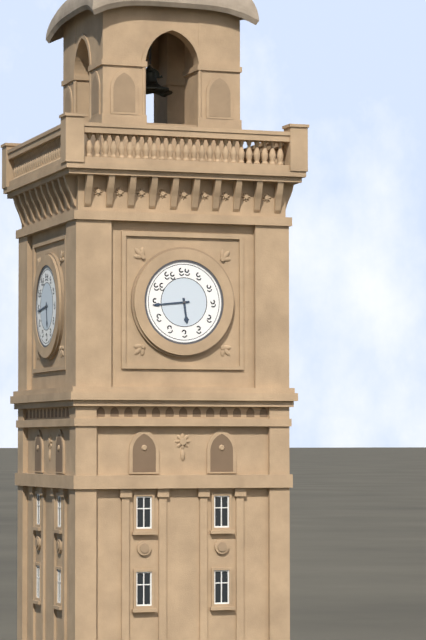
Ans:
h=5 m=44
